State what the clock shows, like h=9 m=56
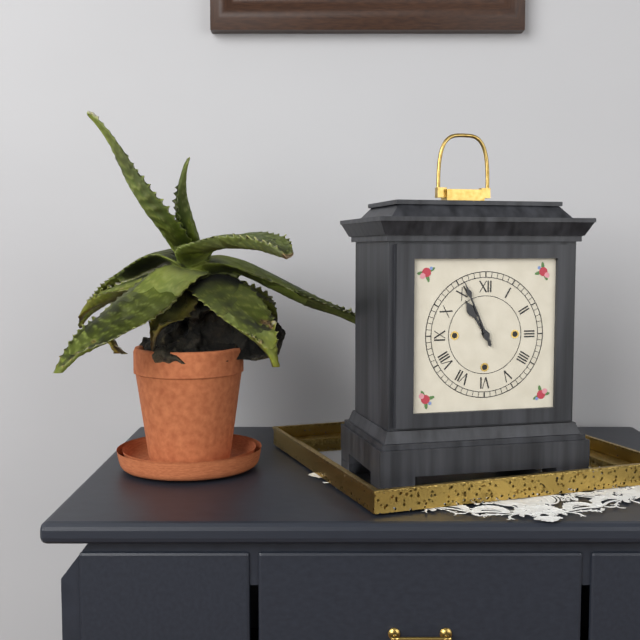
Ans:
h=10 m=56
